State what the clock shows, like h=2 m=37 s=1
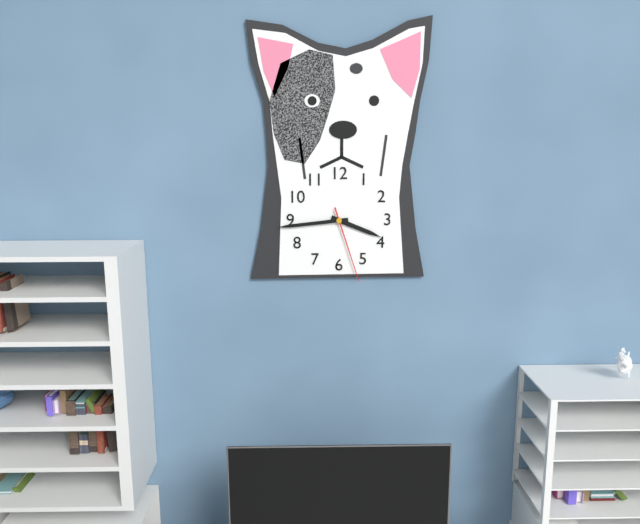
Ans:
h=3 m=44 s=27
